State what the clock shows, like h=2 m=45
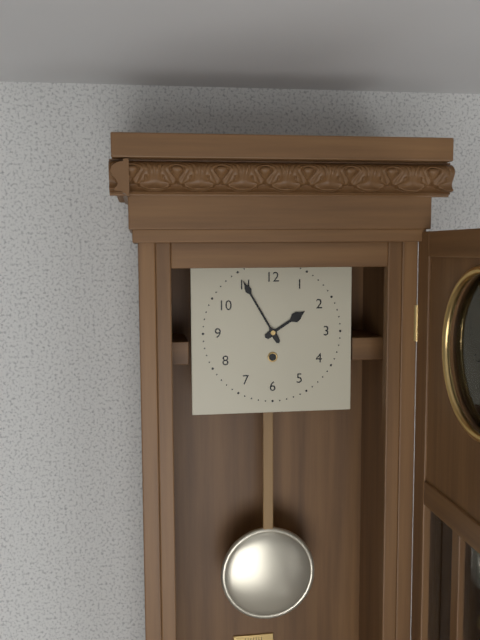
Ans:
h=1 m=55
